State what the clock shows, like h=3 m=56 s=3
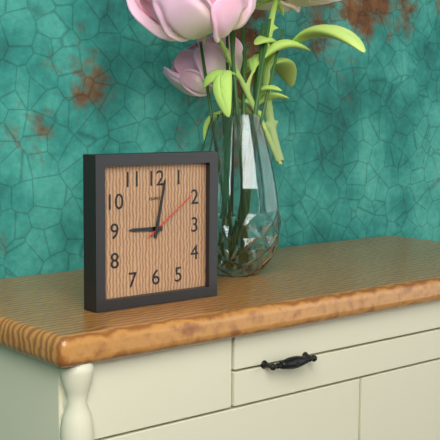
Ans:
h=9 m=2 s=9
